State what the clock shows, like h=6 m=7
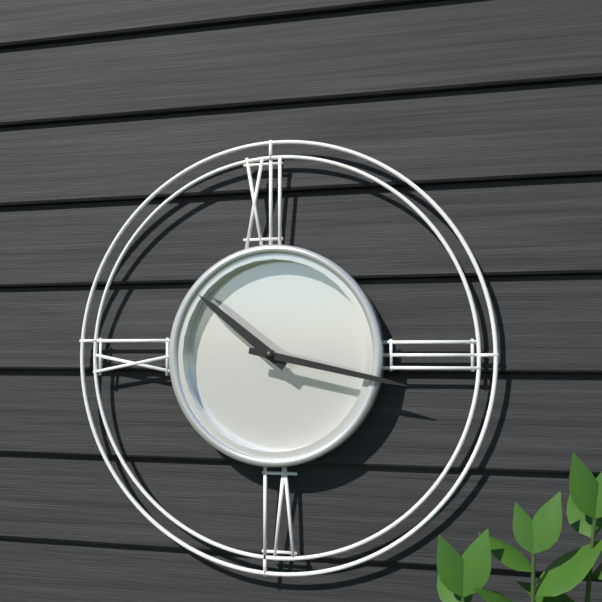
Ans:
h=10 m=17
